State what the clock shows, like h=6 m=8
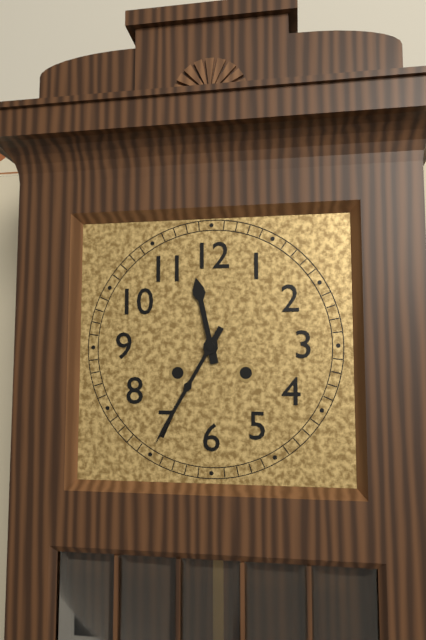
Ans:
h=11 m=35
